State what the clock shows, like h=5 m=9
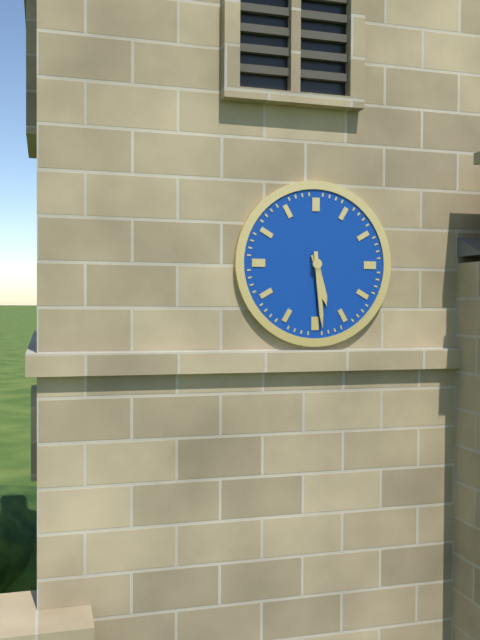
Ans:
h=5 m=29
